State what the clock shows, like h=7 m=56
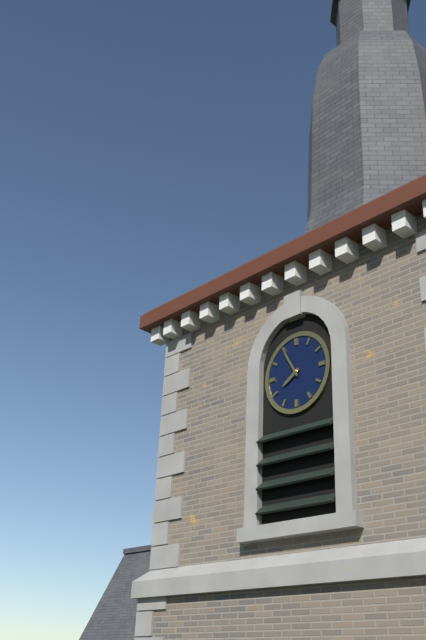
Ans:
h=7 m=55
